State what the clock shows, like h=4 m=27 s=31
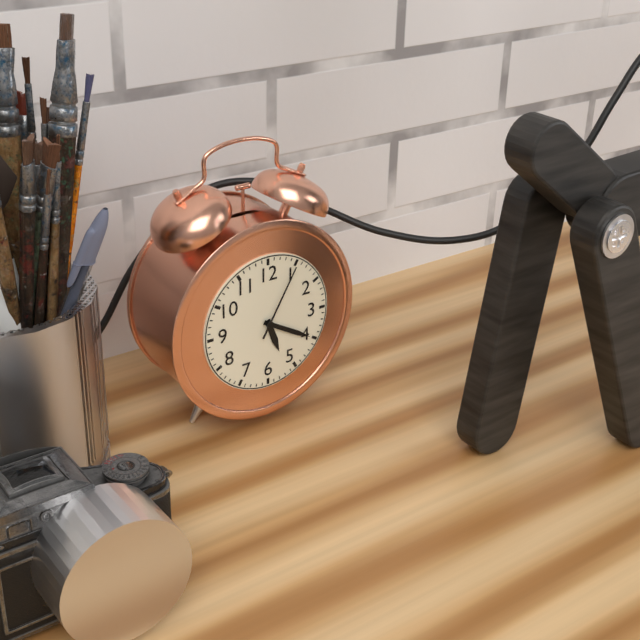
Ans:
h=5 m=20 s=5
